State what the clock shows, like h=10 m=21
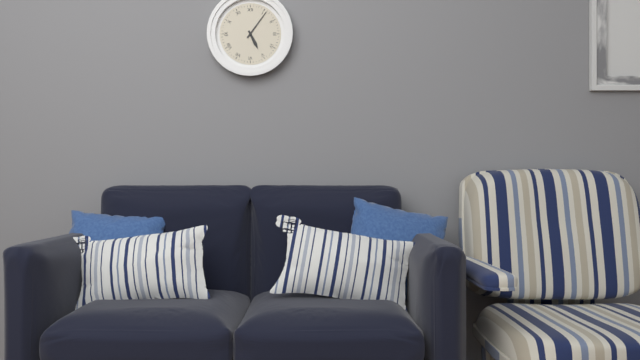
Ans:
h=5 m=6
